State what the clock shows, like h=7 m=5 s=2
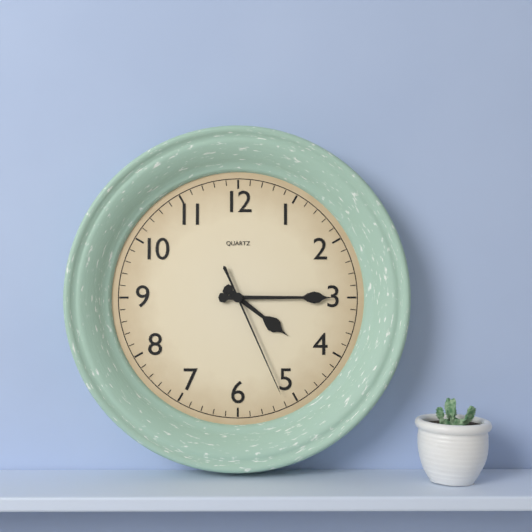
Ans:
h=4 m=15 s=26
